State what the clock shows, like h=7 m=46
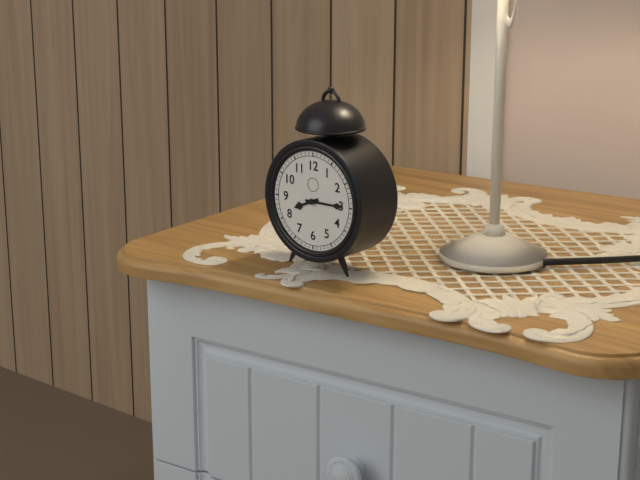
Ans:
h=8 m=15
